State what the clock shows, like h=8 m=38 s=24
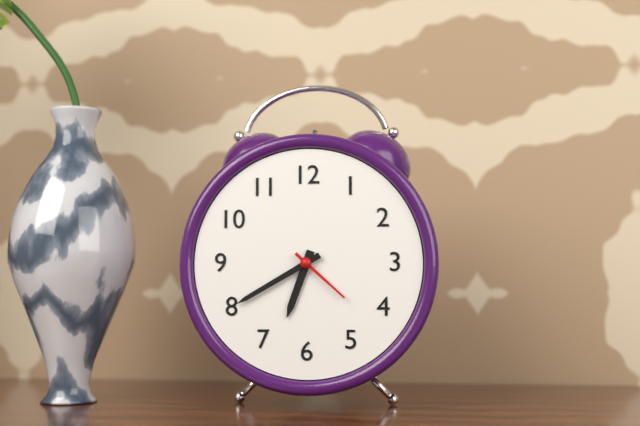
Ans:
h=6 m=40 s=22
